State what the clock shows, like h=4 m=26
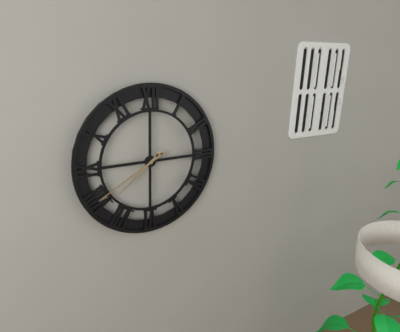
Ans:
h=7 m=40
